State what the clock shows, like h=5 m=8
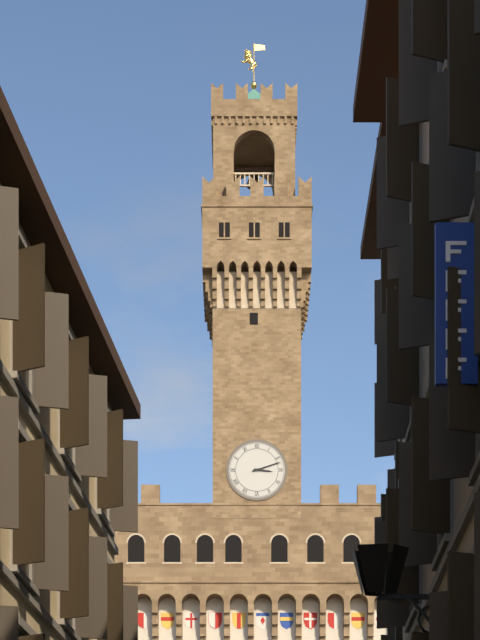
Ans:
h=3 m=12
